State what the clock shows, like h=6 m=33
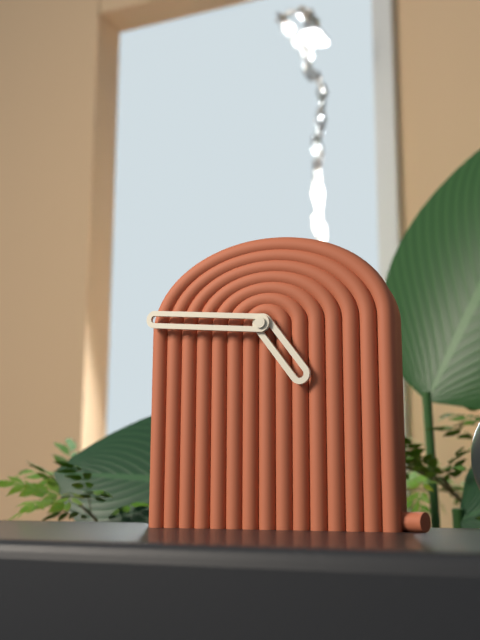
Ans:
h=4 m=46
